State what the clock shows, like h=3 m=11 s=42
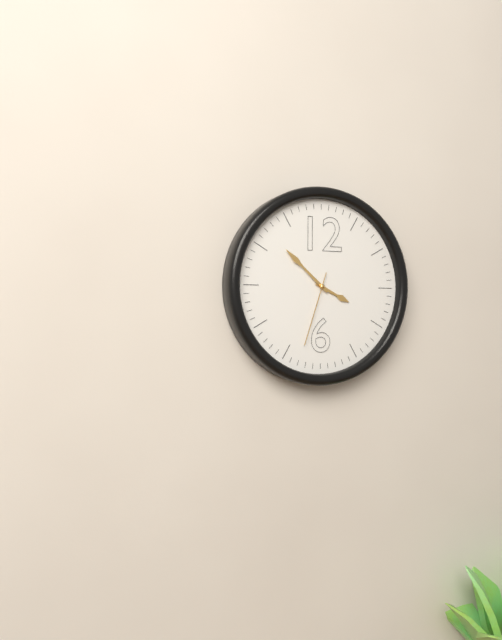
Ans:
h=3 m=52 s=33
